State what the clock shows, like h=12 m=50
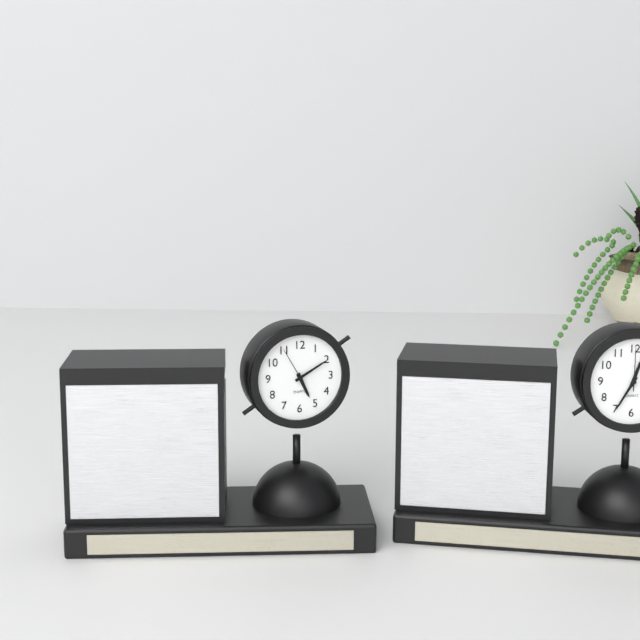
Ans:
h=5 m=10
